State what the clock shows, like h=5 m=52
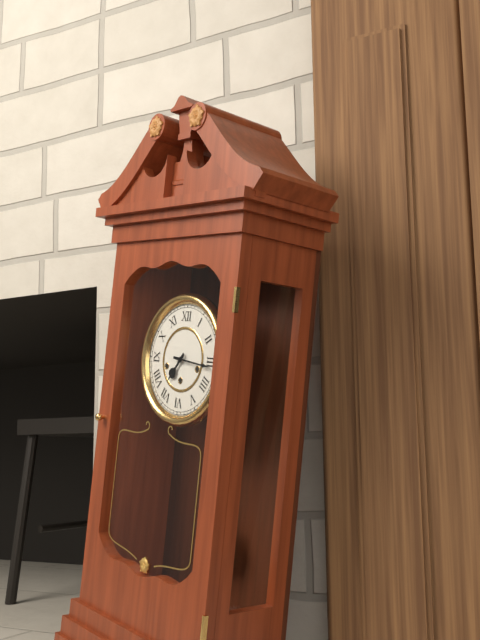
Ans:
h=7 m=16
